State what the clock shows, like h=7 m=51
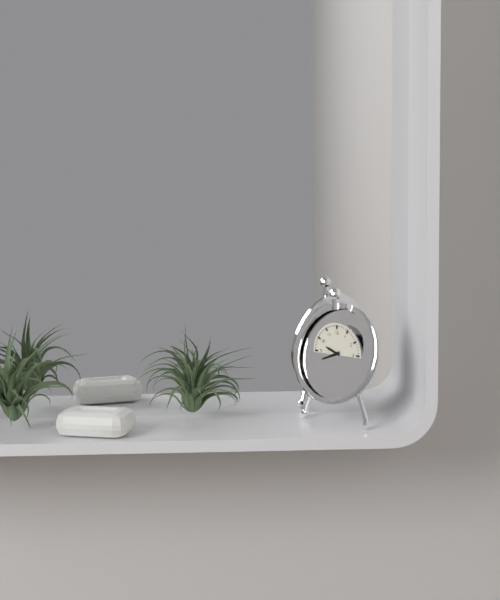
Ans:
h=9 m=41
